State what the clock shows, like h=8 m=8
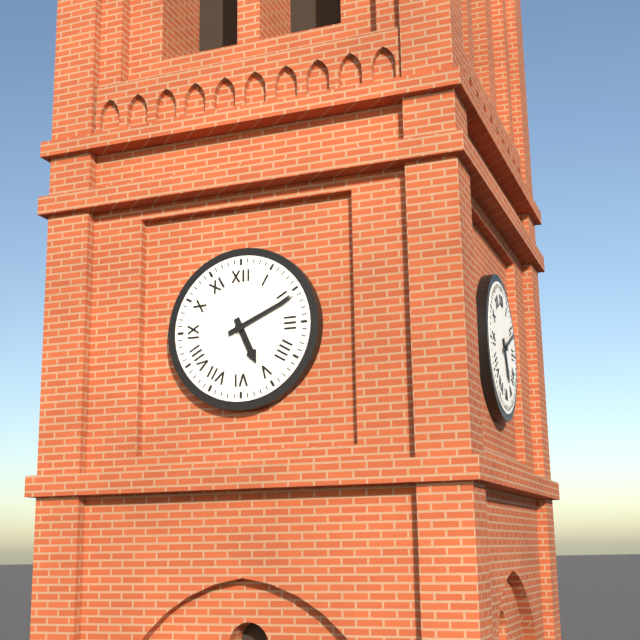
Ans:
h=5 m=11
